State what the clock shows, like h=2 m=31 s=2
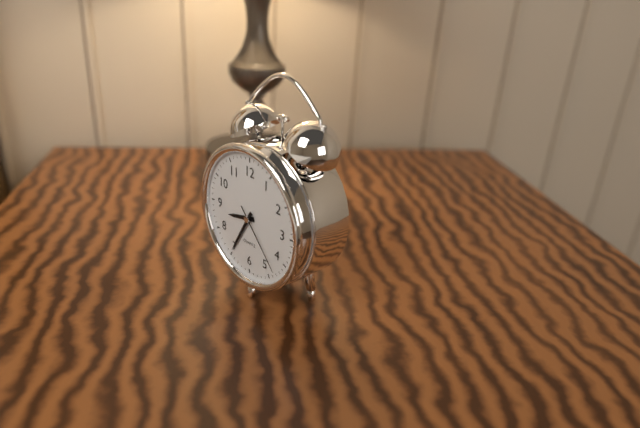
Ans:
h=8 m=35 s=23
